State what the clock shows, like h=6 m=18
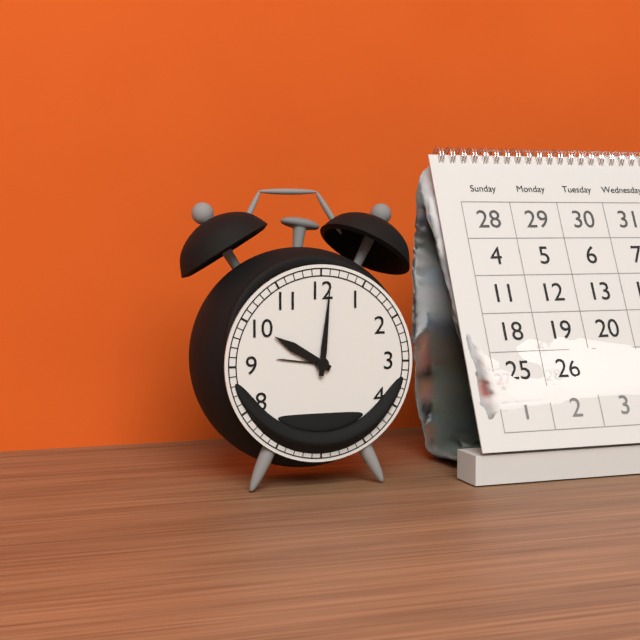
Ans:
h=10 m=1
